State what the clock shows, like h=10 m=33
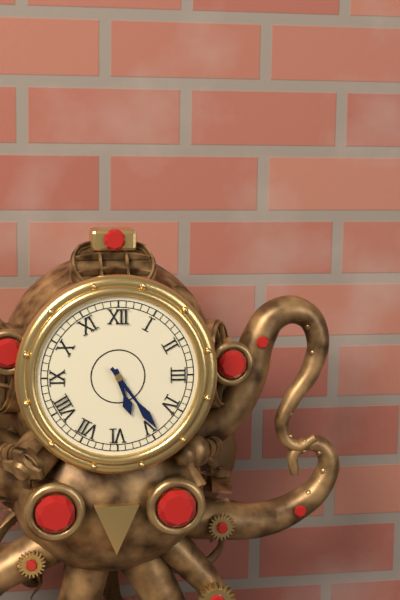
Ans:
h=5 m=24
